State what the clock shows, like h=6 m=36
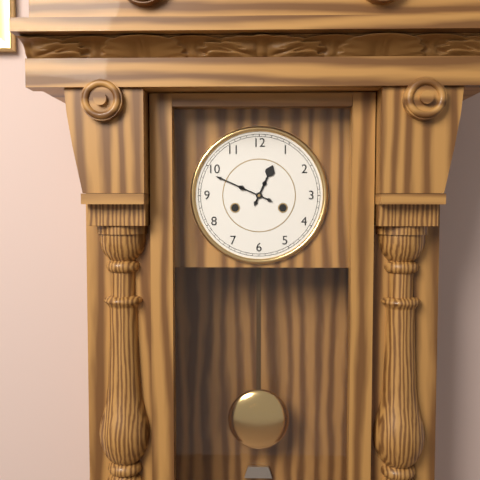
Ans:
h=12 m=49
